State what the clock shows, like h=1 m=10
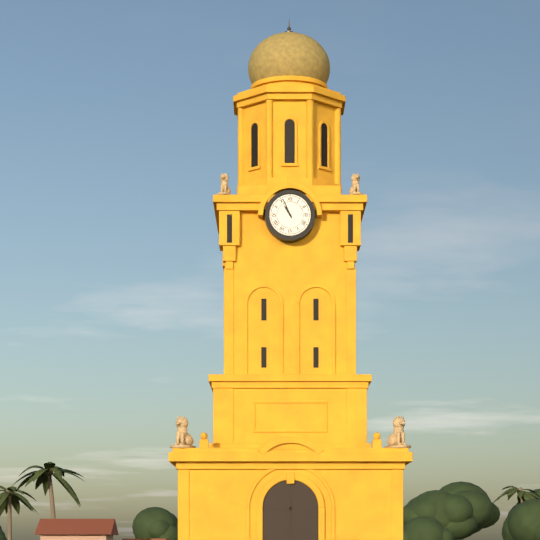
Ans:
h=10 m=56
